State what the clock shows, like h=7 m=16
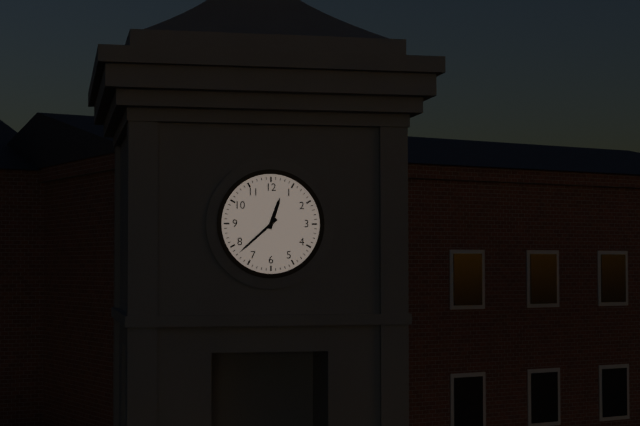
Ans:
h=12 m=38
